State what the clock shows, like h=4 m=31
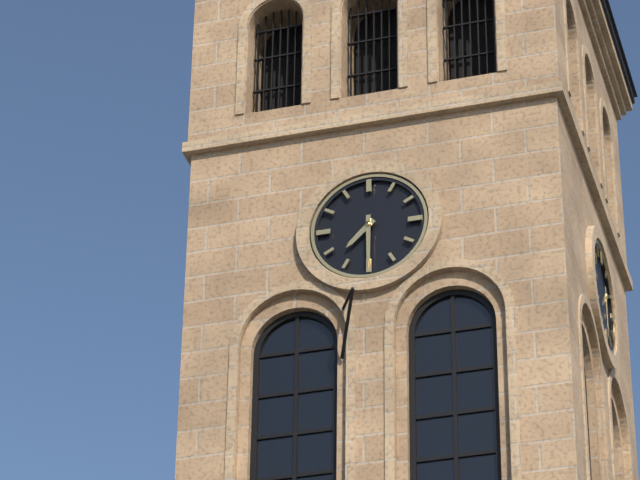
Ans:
h=7 m=30
